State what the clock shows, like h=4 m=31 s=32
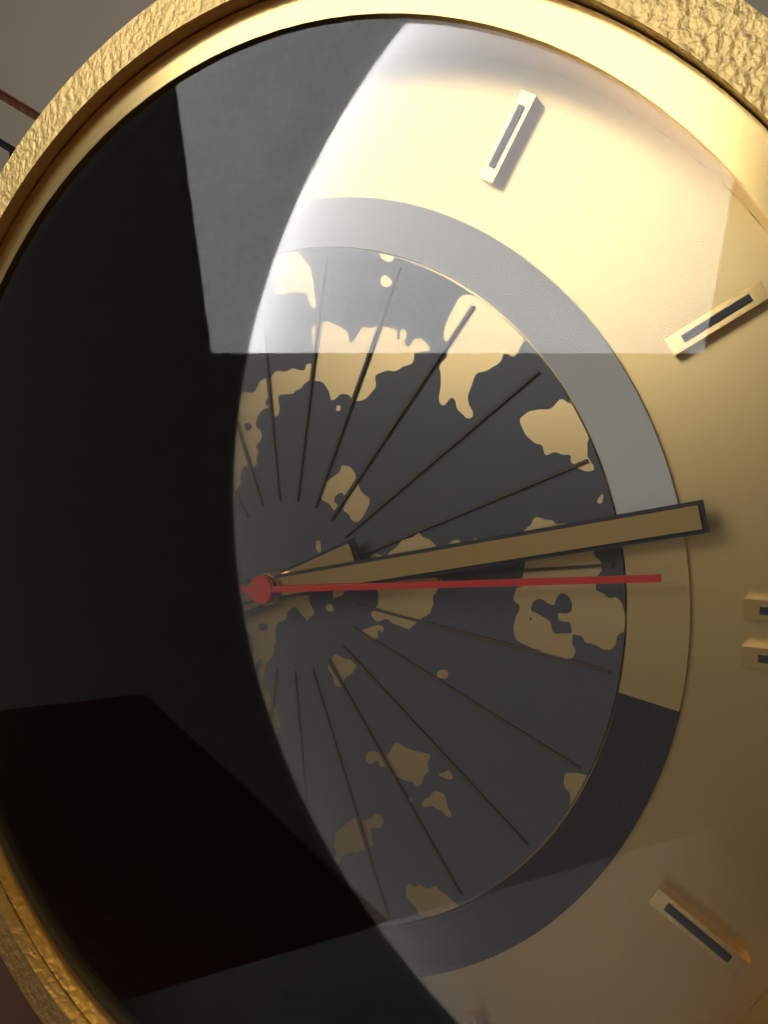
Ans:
h=8 m=13 s=14
